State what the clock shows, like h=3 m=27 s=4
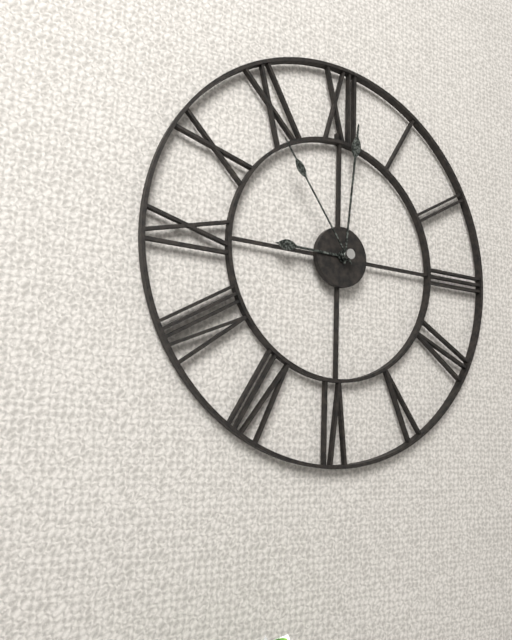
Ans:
h=9 m=1 s=54
